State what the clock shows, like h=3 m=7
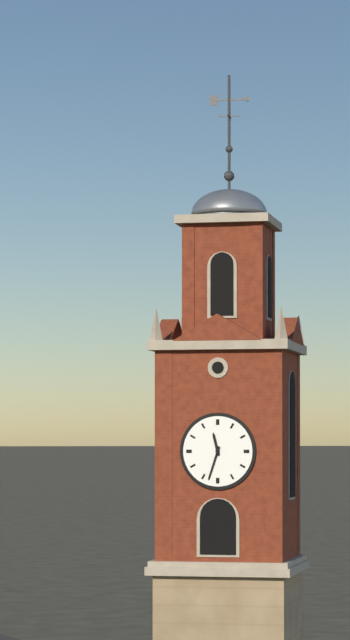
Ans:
h=11 m=33
